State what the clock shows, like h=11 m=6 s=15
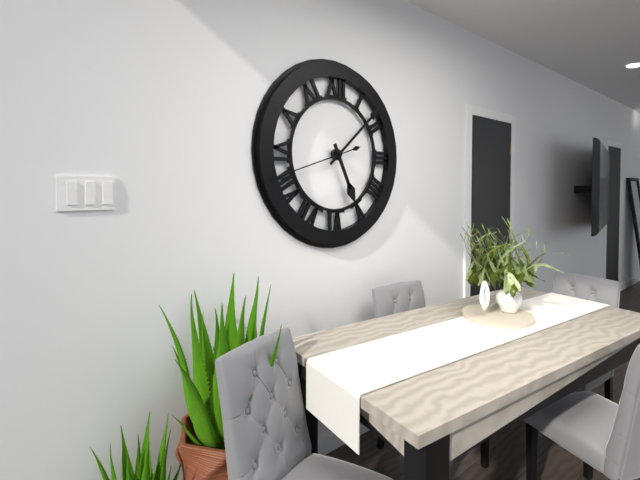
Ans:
h=5 m=8 s=42
